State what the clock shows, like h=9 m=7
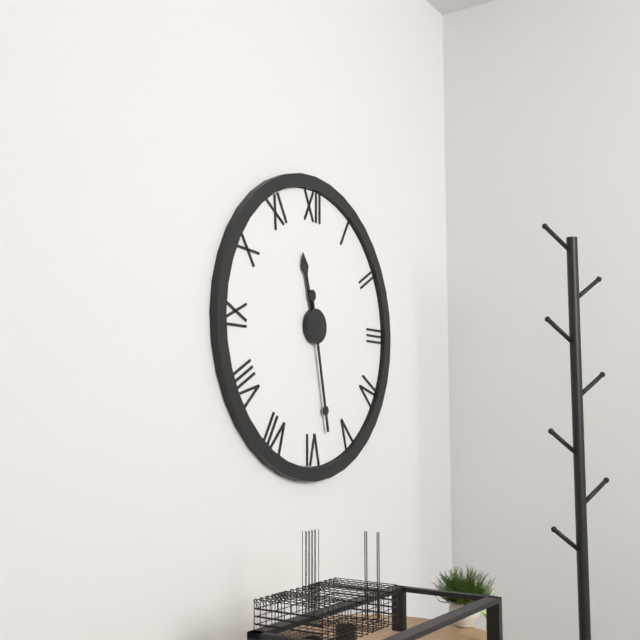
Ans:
h=11 m=28
